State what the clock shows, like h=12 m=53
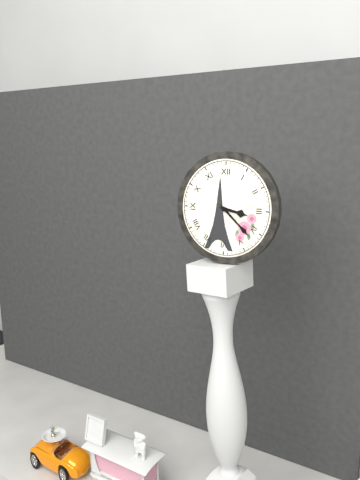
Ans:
h=3 m=22
